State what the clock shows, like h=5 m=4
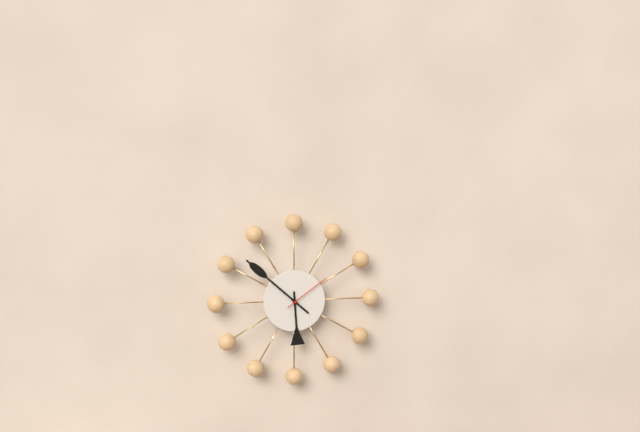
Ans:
h=5 m=52
